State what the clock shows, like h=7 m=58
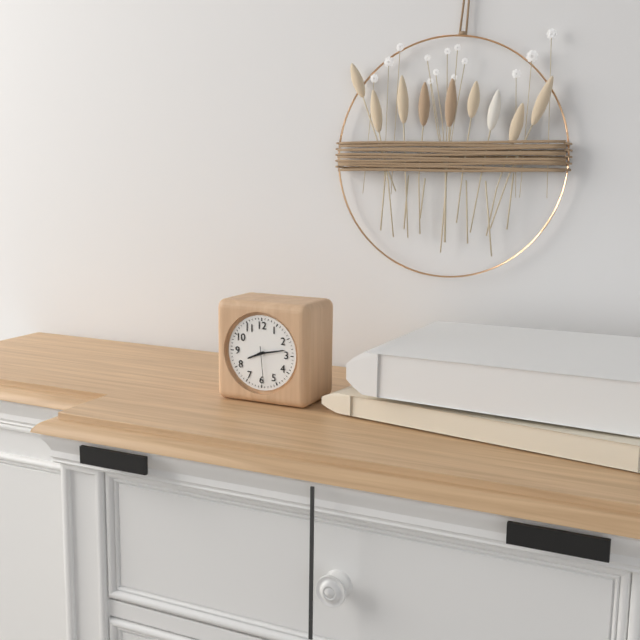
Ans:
h=8 m=13
